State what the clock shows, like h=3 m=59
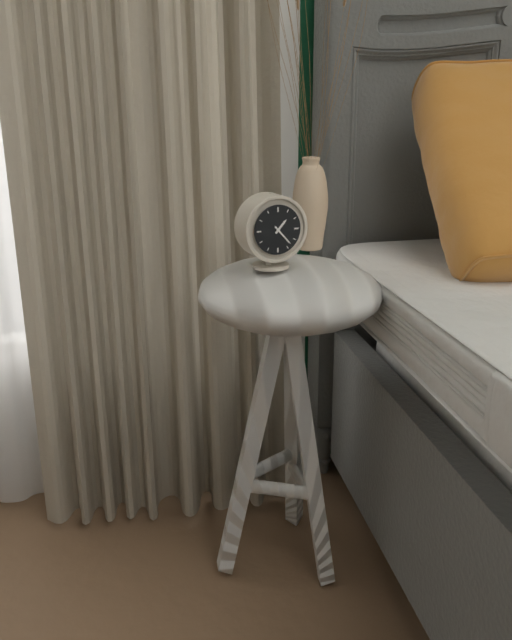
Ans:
h=1 m=23
